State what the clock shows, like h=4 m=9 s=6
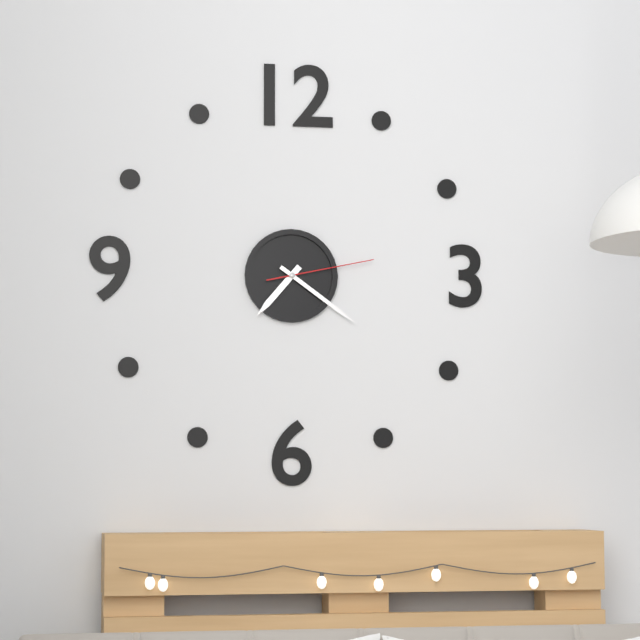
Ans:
h=7 m=21 s=13
